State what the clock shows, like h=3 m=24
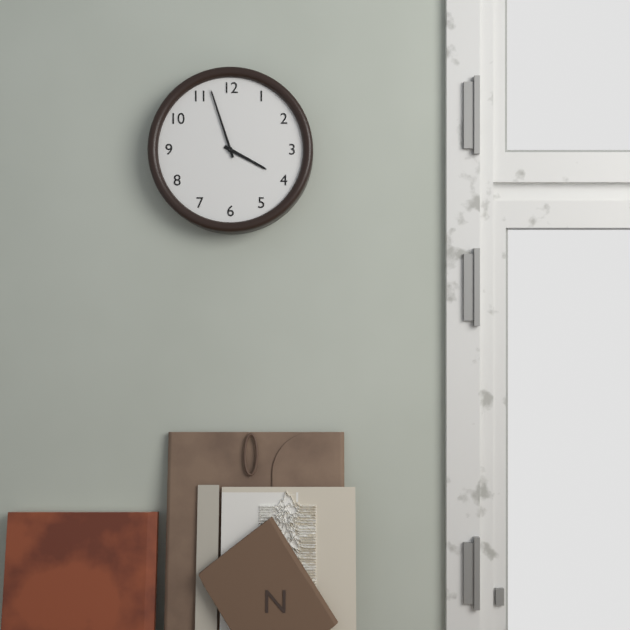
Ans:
h=3 m=57
